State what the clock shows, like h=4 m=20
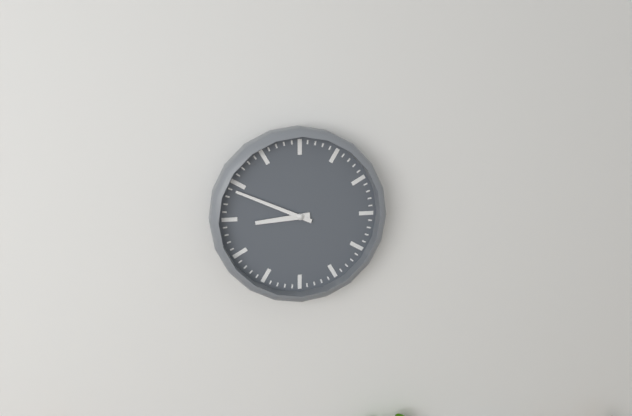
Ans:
h=8 m=49
